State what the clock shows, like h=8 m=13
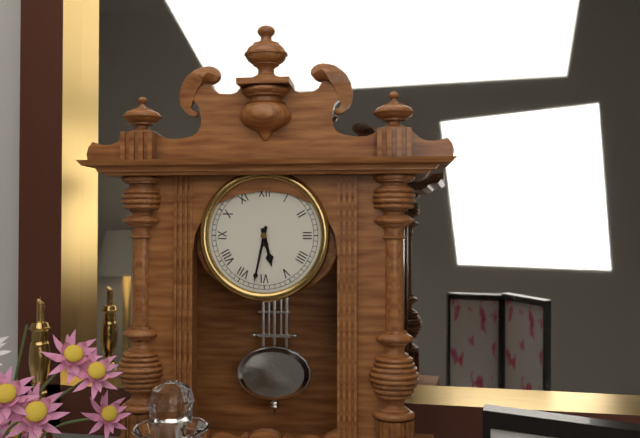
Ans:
h=5 m=32
